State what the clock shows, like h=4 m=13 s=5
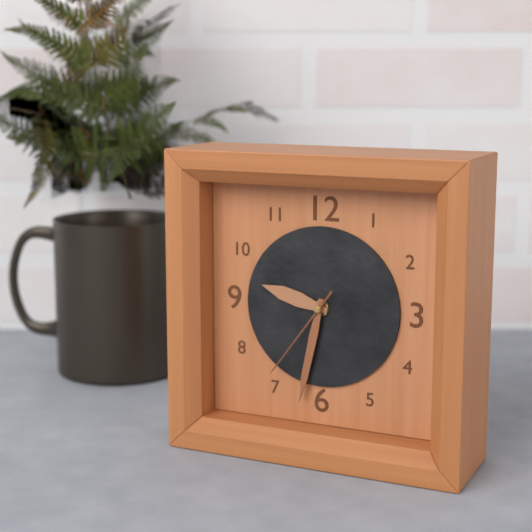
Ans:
h=9 m=32 s=36
